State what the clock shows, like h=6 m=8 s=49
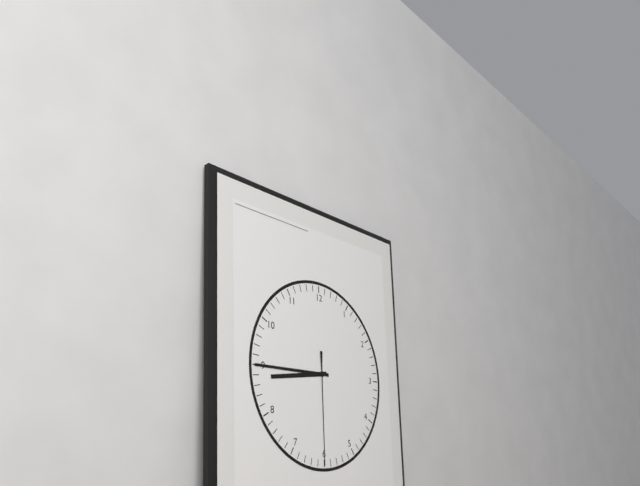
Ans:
h=8 m=45 s=30
